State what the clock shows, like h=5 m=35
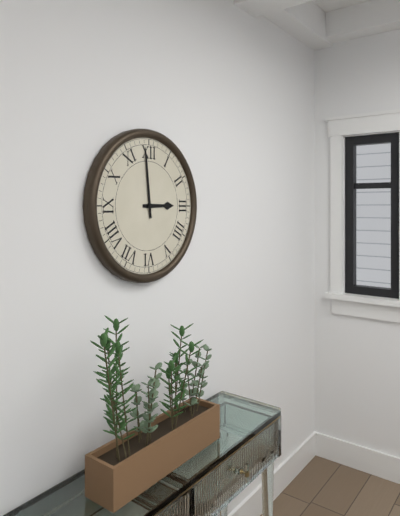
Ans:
h=2 m=59
